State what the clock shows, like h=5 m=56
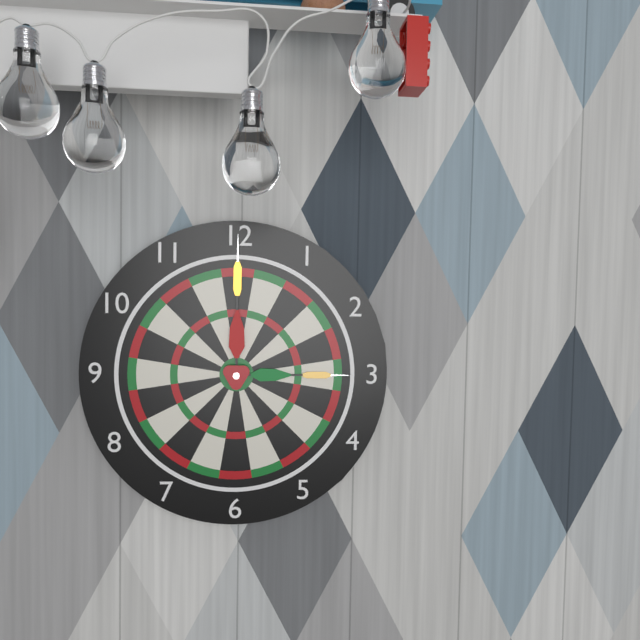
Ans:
h=3 m=0
